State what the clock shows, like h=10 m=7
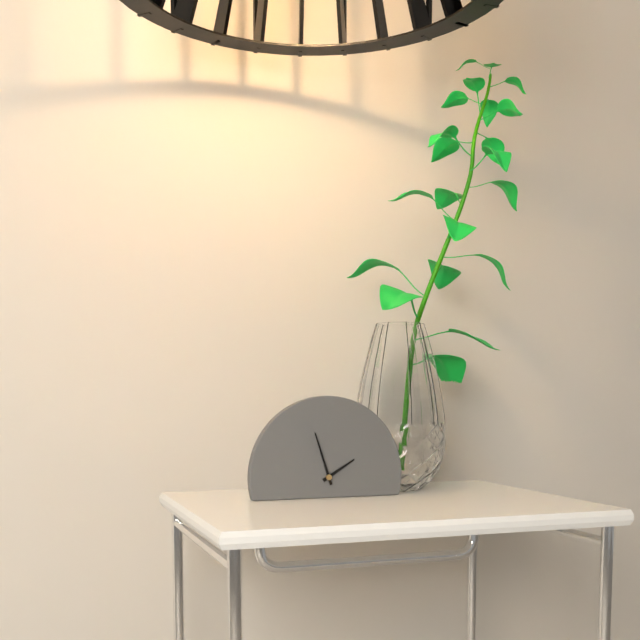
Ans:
h=1 m=57
